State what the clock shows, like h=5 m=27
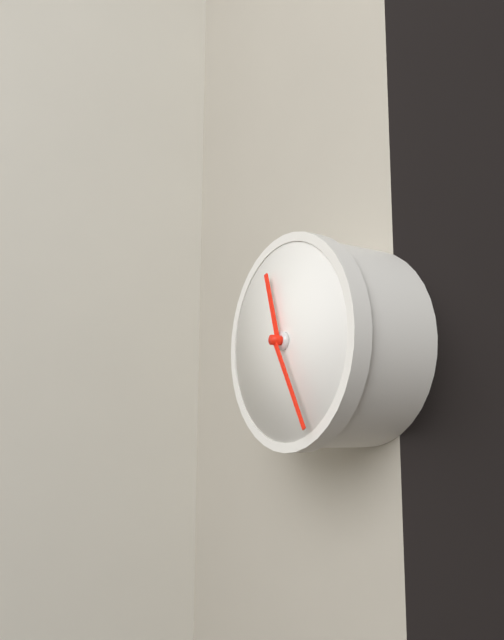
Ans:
h=11 m=25
